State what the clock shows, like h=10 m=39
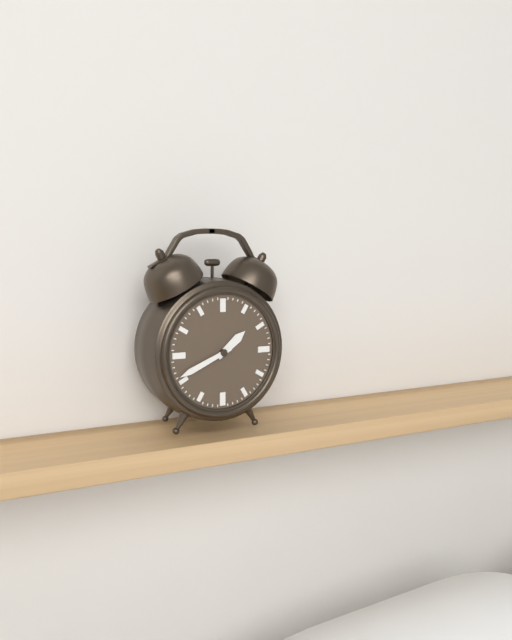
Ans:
h=1 m=41
